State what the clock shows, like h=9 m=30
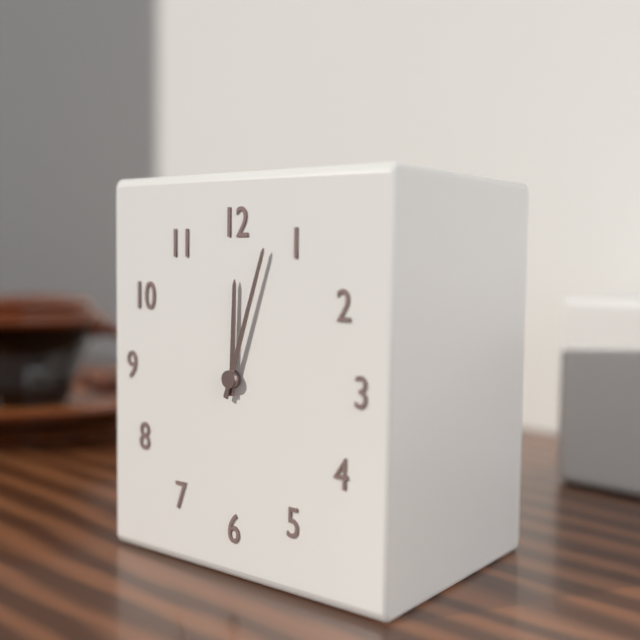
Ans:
h=12 m=3
